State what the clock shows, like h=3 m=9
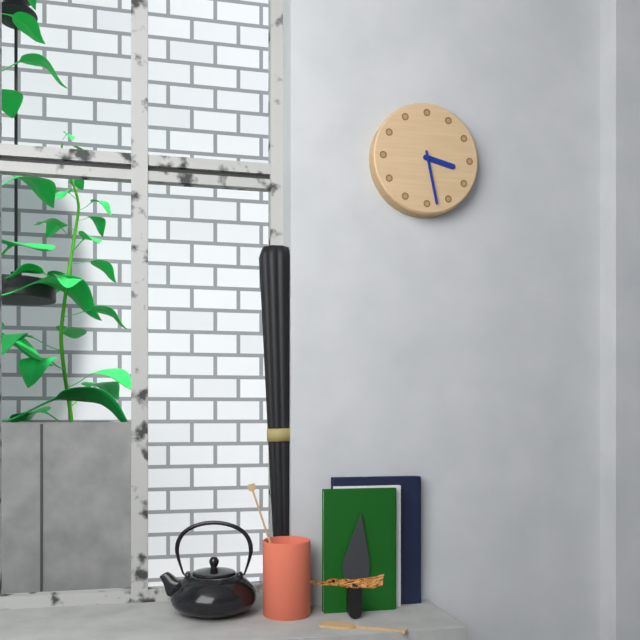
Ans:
h=3 m=28
